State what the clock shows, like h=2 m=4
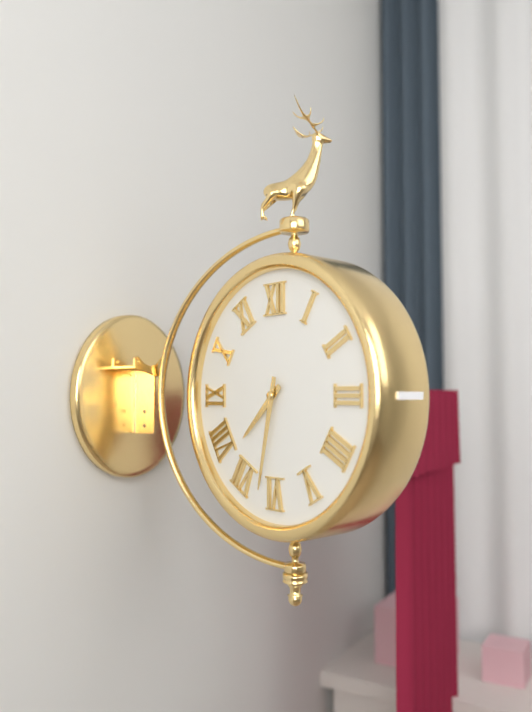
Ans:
h=7 m=32
